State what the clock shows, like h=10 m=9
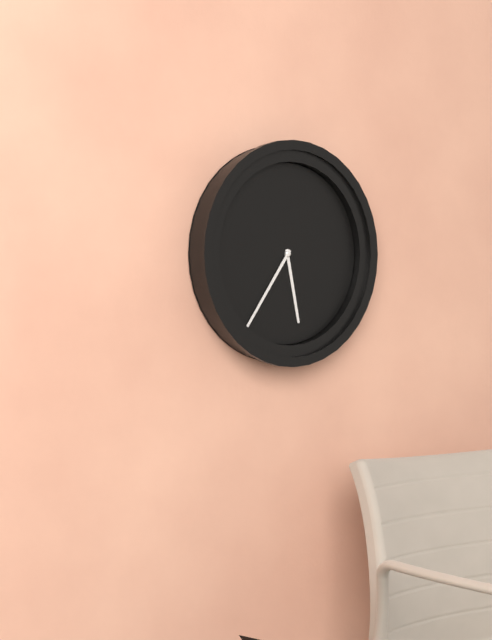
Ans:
h=5 m=36
